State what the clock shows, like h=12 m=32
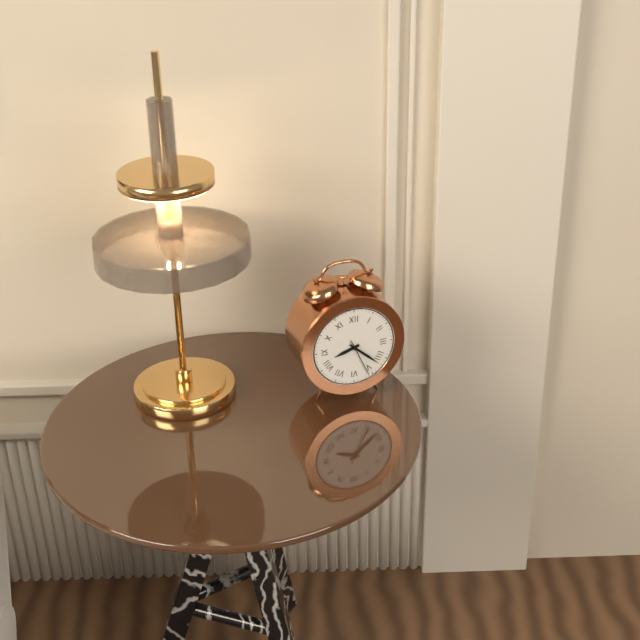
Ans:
h=8 m=22
